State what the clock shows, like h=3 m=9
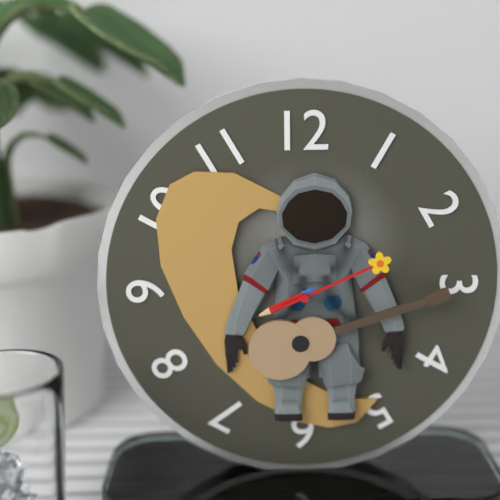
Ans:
h=8 m=11
